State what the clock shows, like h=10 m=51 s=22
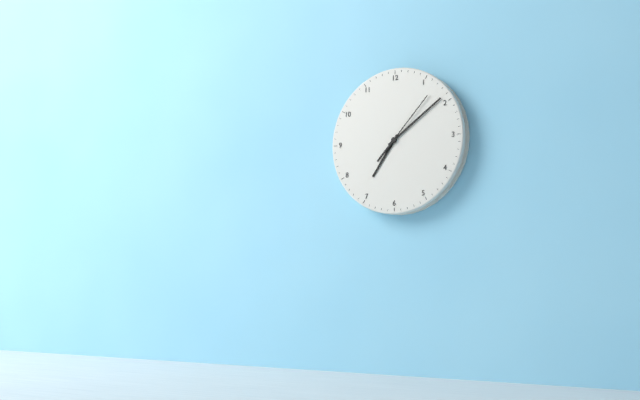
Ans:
h=7 m=9 s=7
